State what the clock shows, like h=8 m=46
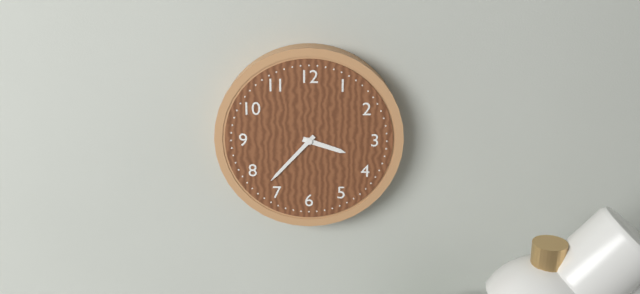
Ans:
h=3 m=37
